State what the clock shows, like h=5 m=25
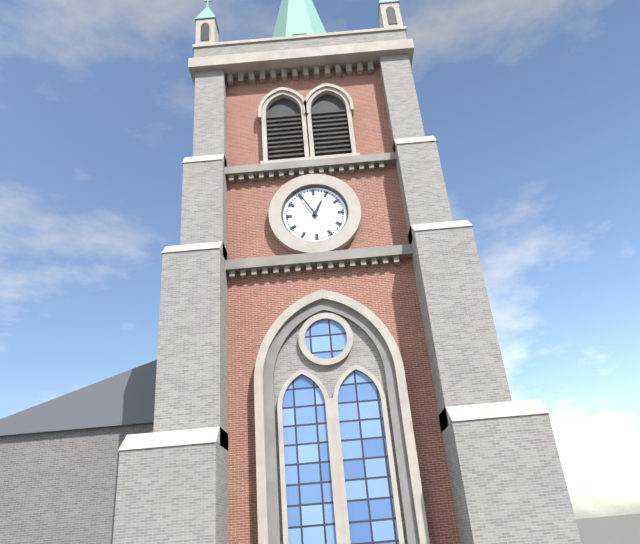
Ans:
h=12 m=55
